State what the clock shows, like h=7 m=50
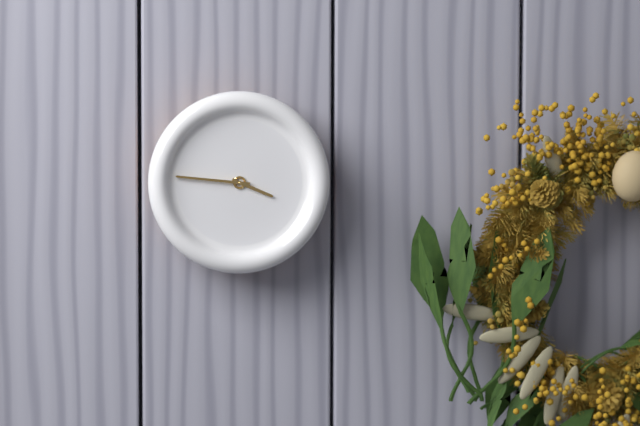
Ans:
h=3 m=46
